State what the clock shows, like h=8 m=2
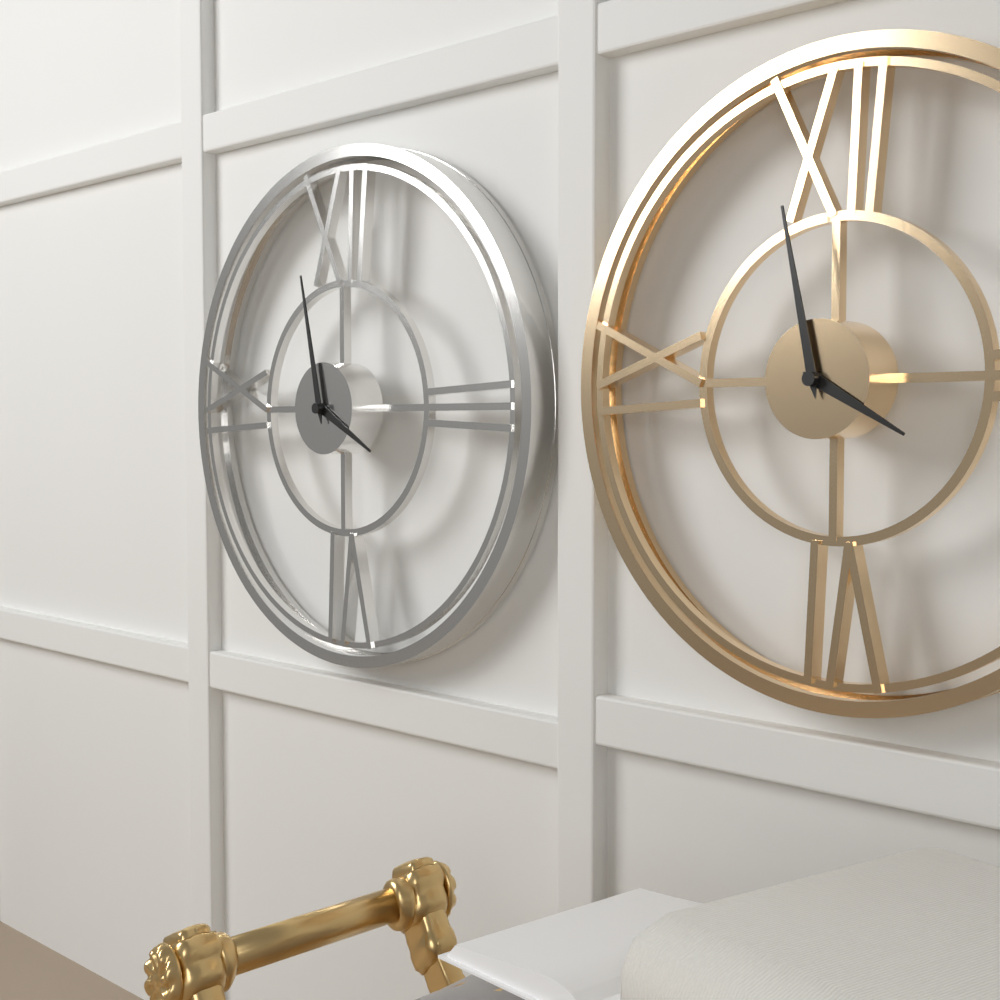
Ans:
h=3 m=58
